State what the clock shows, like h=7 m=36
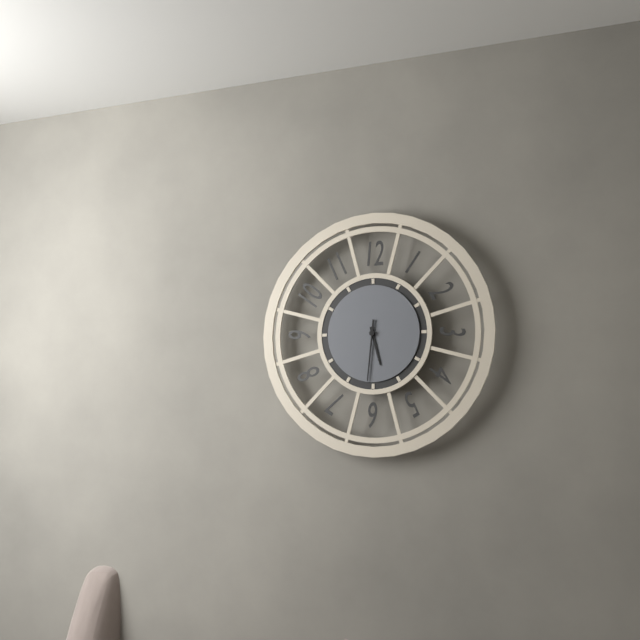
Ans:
h=5 m=31
